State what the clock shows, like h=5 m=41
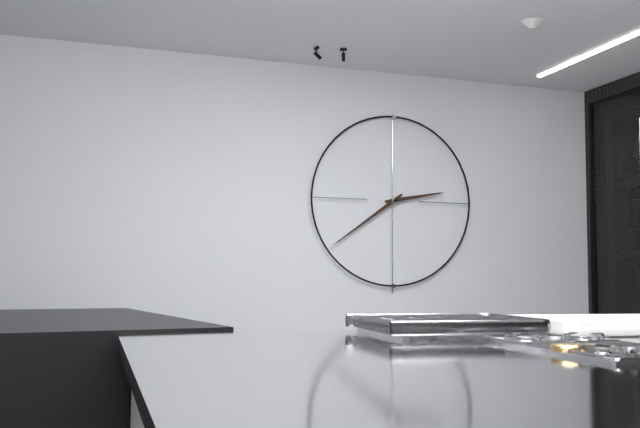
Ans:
h=2 m=39
